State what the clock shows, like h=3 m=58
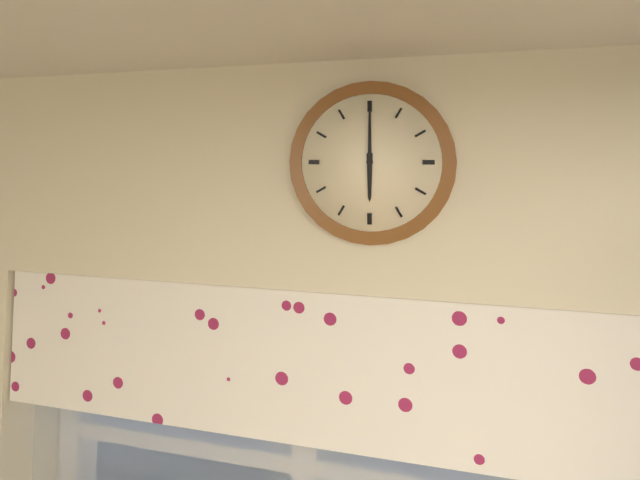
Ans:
h=6 m=0
